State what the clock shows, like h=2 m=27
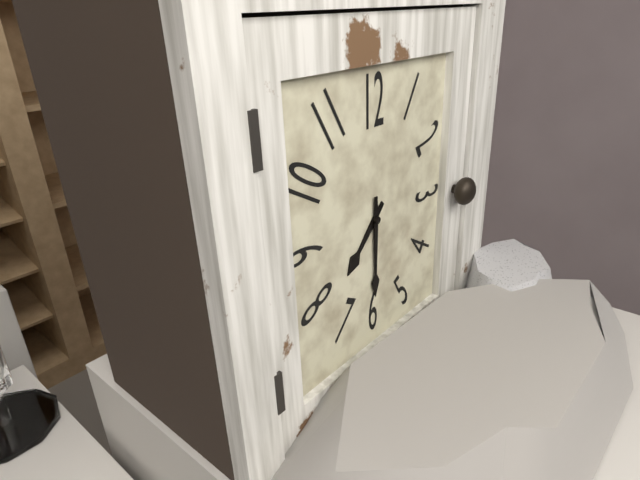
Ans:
h=7 m=30
